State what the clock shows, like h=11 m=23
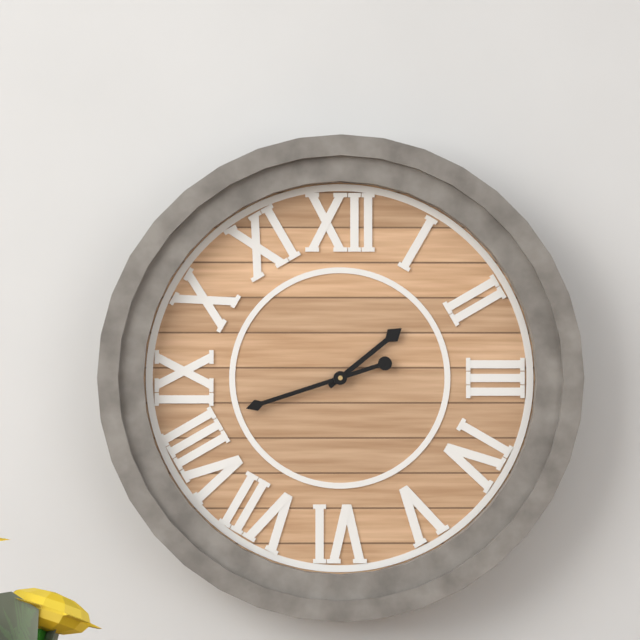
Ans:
h=1 m=42
